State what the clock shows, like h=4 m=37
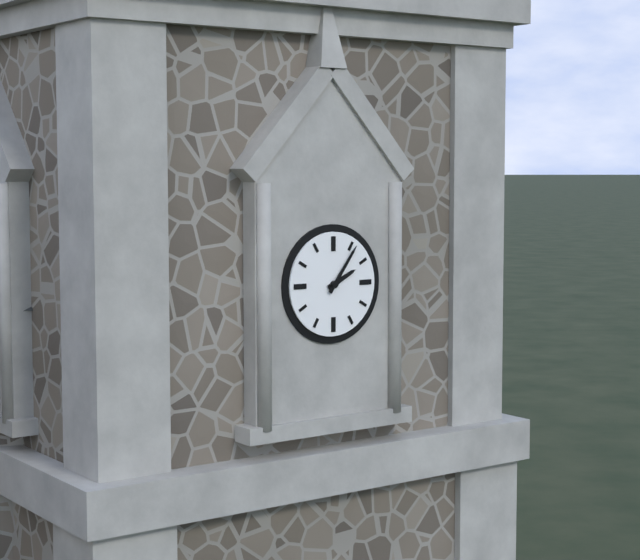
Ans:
h=2 m=6
